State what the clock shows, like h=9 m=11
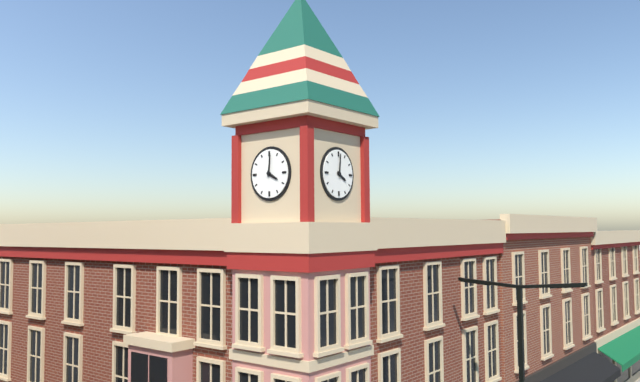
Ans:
h=4 m=1
